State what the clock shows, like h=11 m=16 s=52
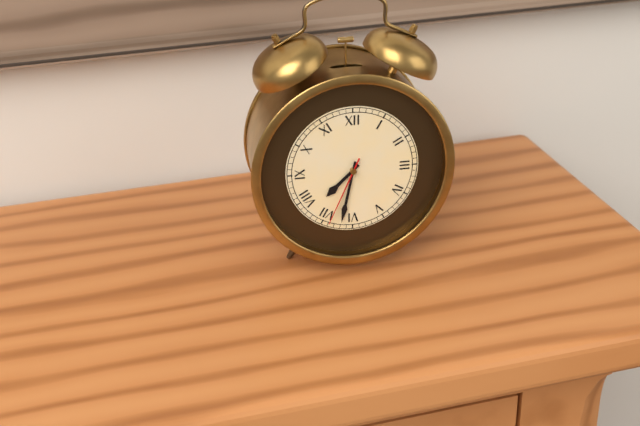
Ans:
h=7 m=32 s=34
